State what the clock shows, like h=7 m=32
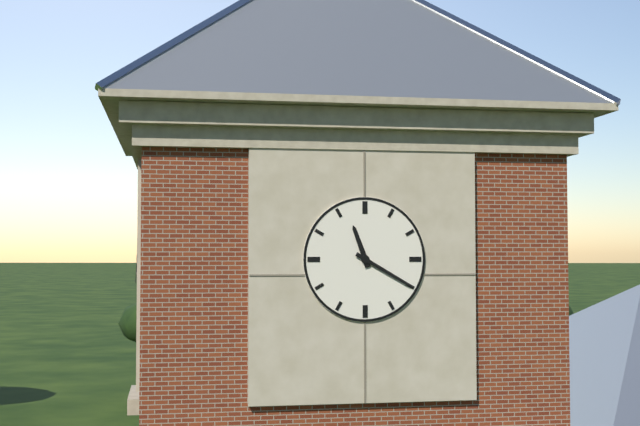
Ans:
h=11 m=20
